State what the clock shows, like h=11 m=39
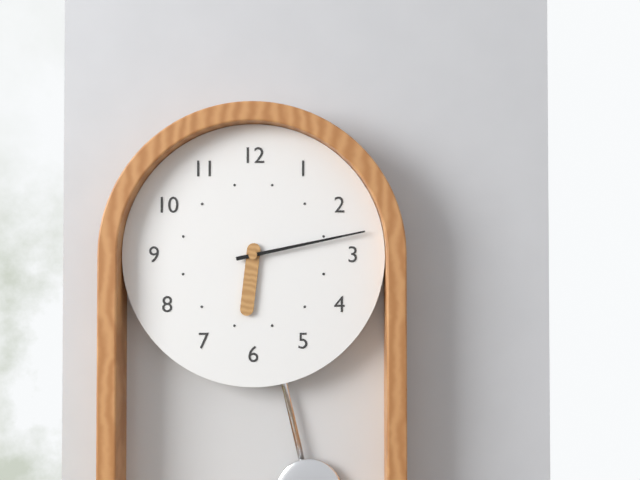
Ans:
h=6 m=13
